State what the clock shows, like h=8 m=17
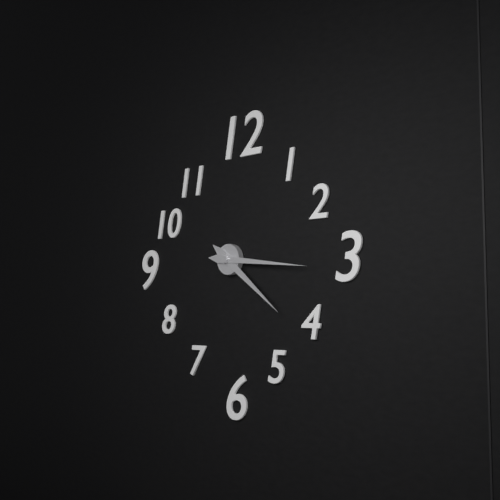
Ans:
h=4 m=16
